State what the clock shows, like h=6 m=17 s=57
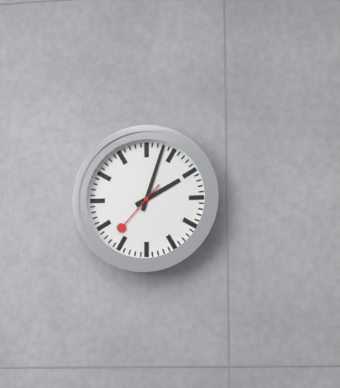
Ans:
h=2 m=3 s=37
